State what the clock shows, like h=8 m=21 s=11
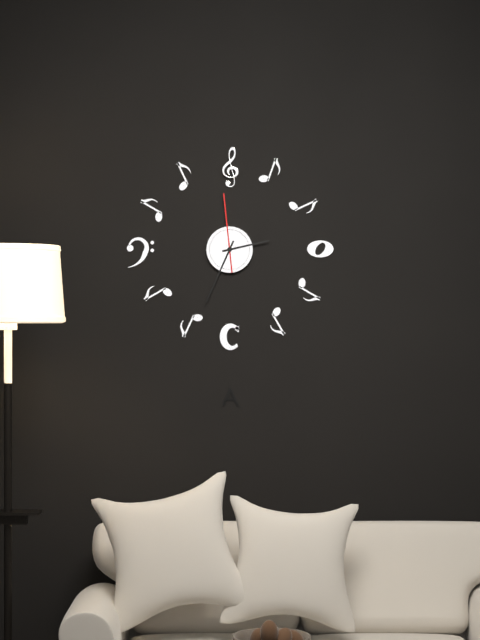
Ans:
h=2 m=34 s=59
